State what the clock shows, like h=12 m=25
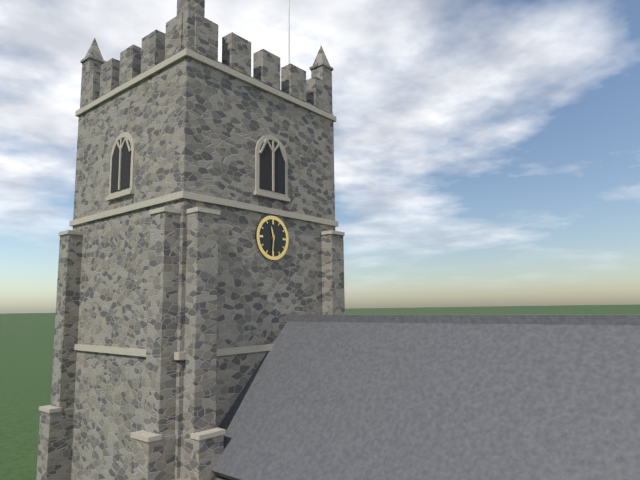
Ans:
h=11 m=31
